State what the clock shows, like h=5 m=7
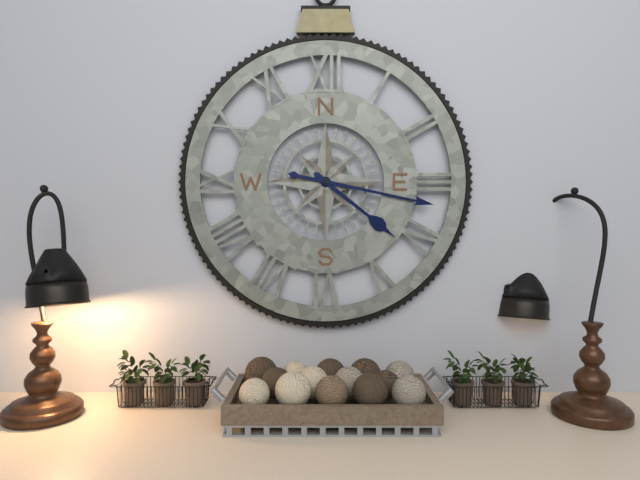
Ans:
h=4 m=17
